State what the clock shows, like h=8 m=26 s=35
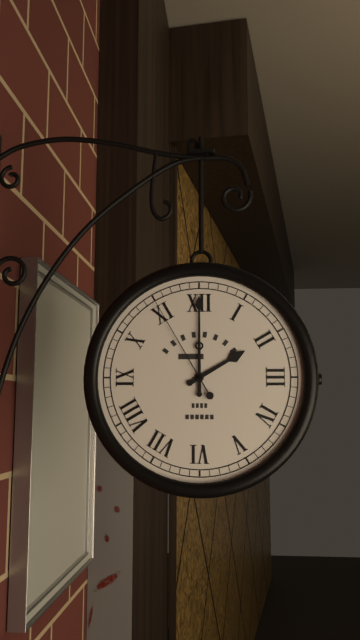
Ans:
h=2 m=0 s=55
